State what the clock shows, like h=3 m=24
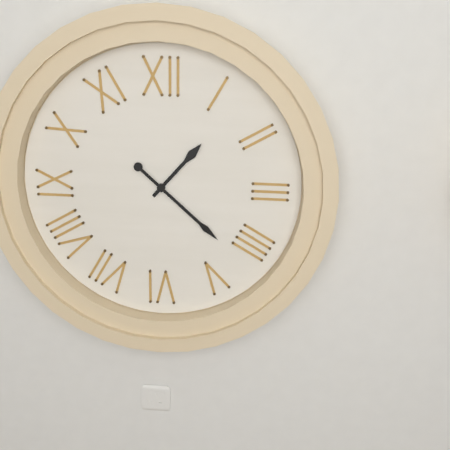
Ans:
h=1 m=22
